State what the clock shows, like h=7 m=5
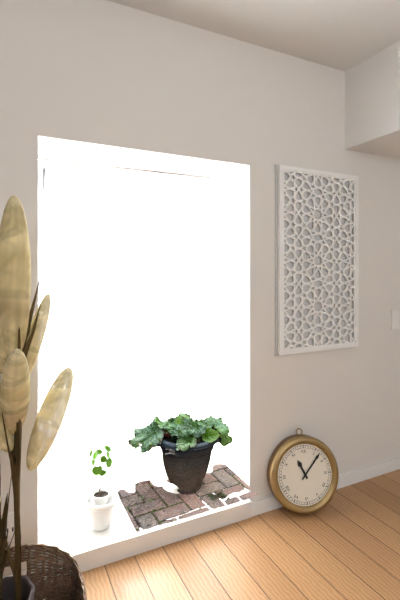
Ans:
h=11 m=7
